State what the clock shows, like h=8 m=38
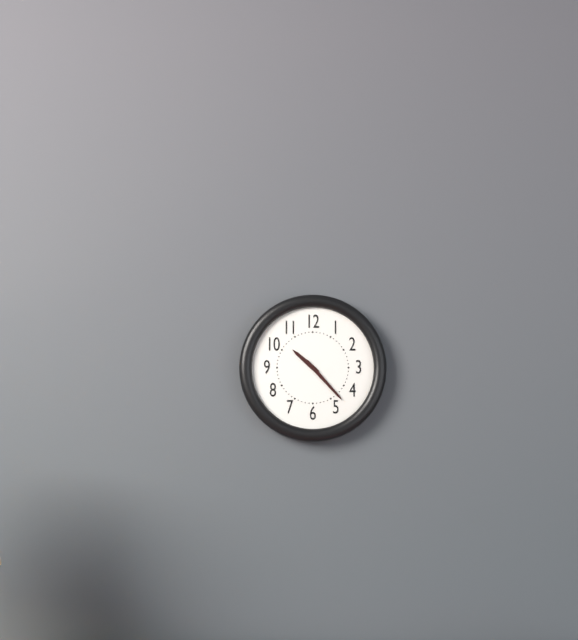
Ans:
h=10 m=23
